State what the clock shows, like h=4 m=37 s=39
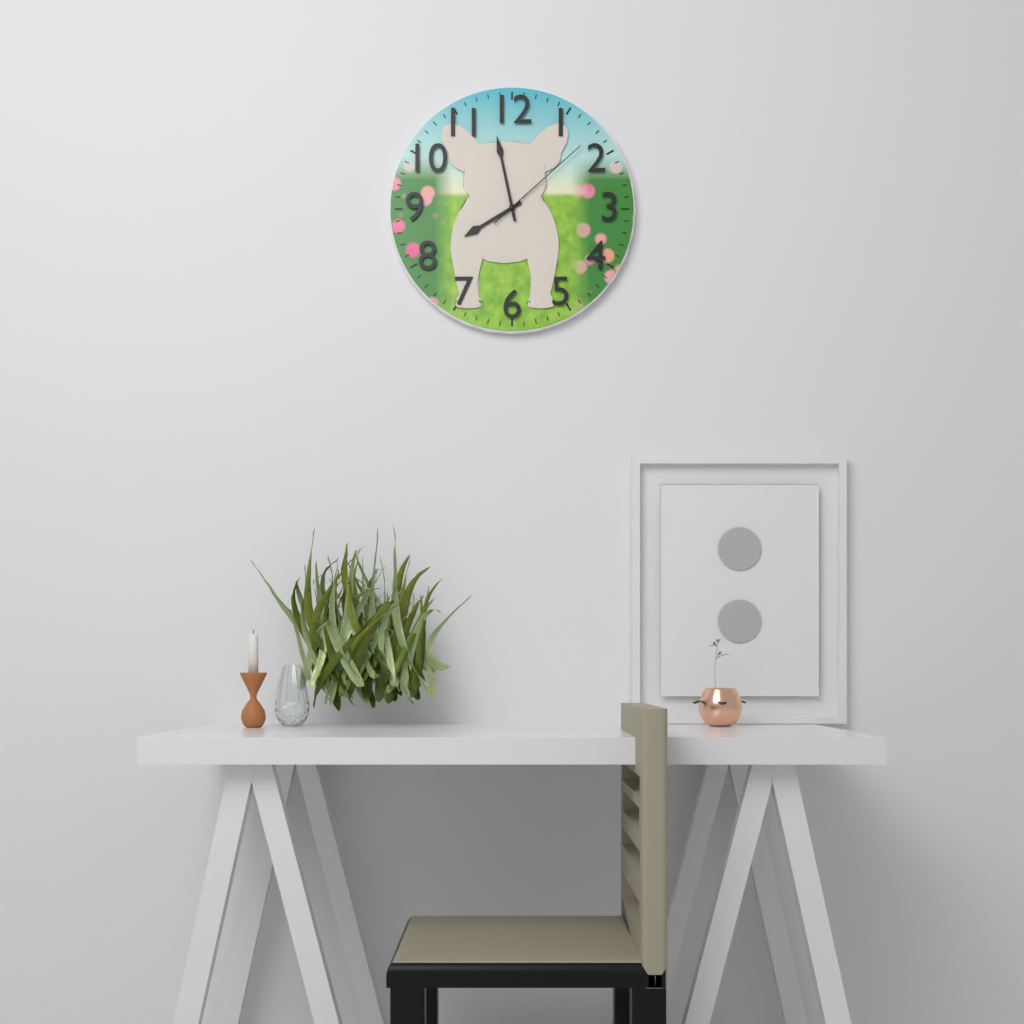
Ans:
h=7 m=58 s=8
